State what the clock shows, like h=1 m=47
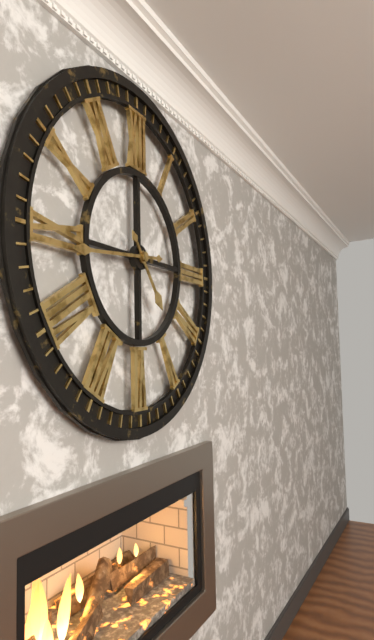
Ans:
h=4 m=44
